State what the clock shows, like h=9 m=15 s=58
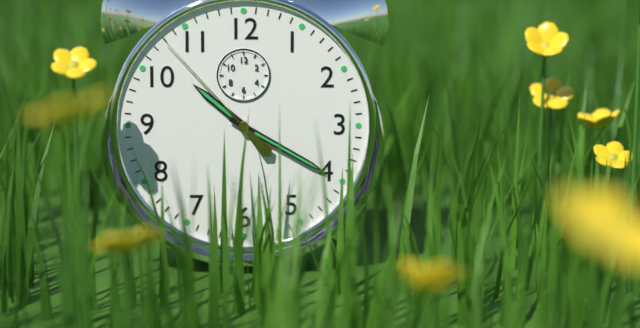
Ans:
h=10 m=20 s=53
